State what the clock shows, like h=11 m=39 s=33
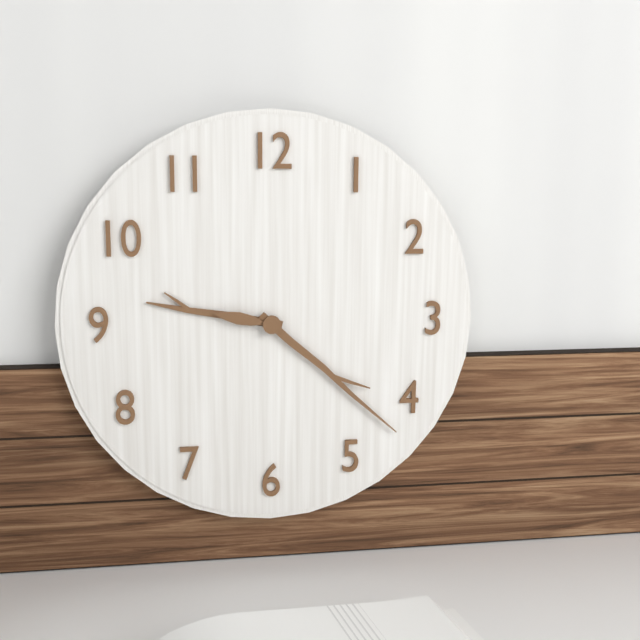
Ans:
h=9 m=22 s=47
